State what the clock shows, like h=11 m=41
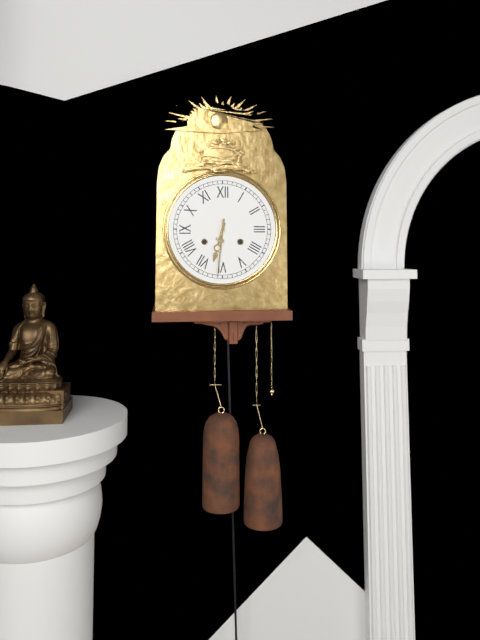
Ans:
h=6 m=31
